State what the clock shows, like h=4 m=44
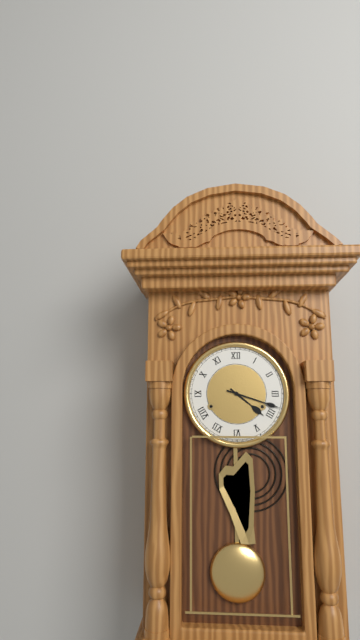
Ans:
h=4 m=18
